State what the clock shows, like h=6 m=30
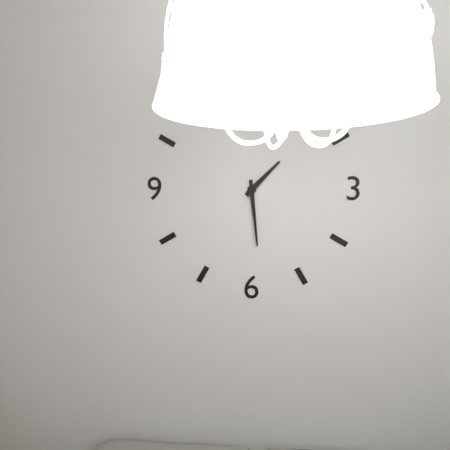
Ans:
h=1 m=29
